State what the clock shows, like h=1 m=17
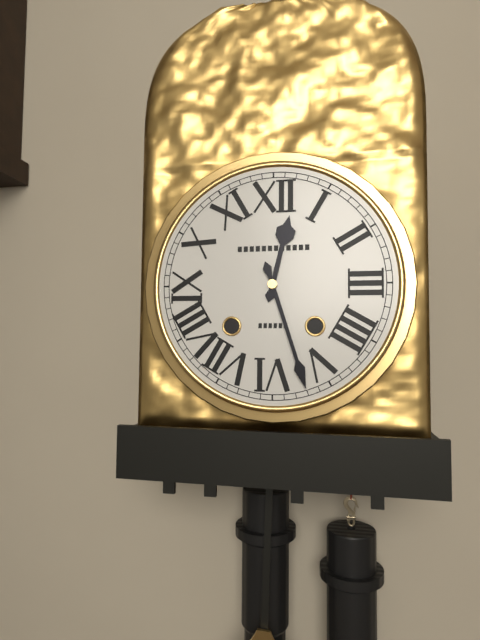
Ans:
h=12 m=27
